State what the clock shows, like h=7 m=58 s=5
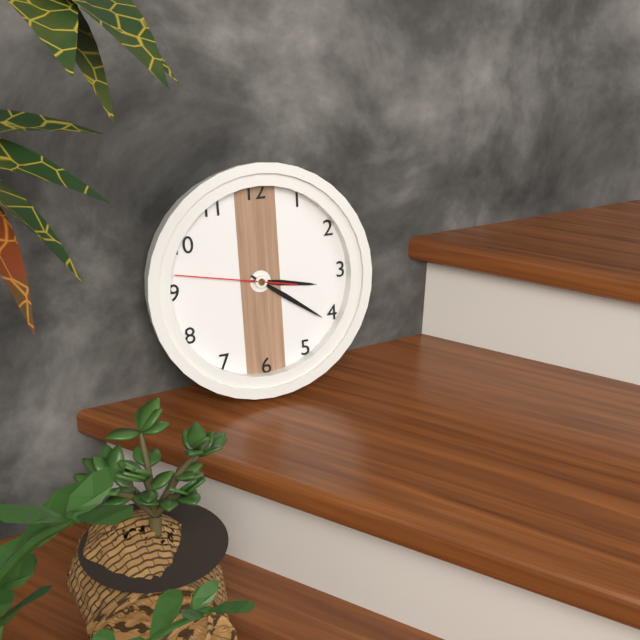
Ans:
h=3 m=21 s=47
